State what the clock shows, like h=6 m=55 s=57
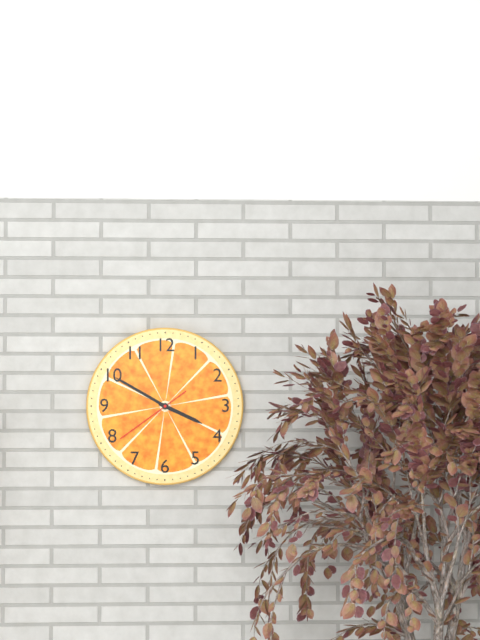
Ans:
h=3 m=50 s=39
